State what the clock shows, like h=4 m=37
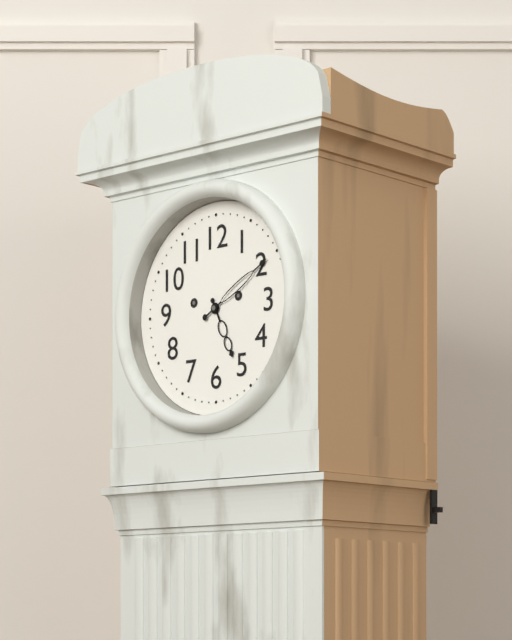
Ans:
h=5 m=10
